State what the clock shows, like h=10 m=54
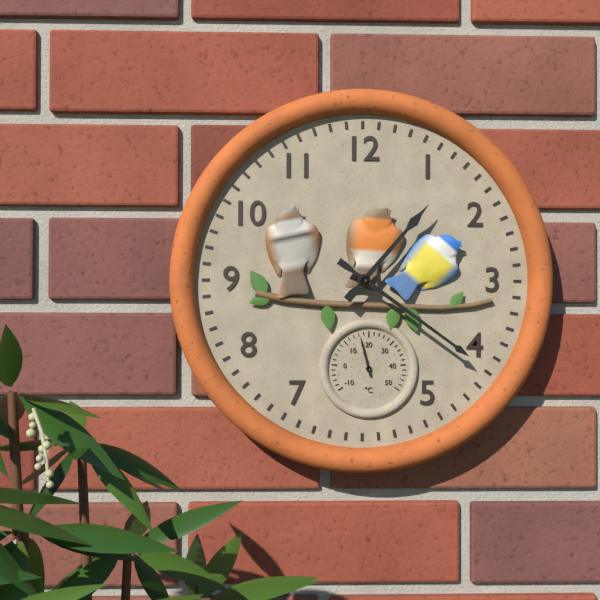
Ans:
h=1 m=21
